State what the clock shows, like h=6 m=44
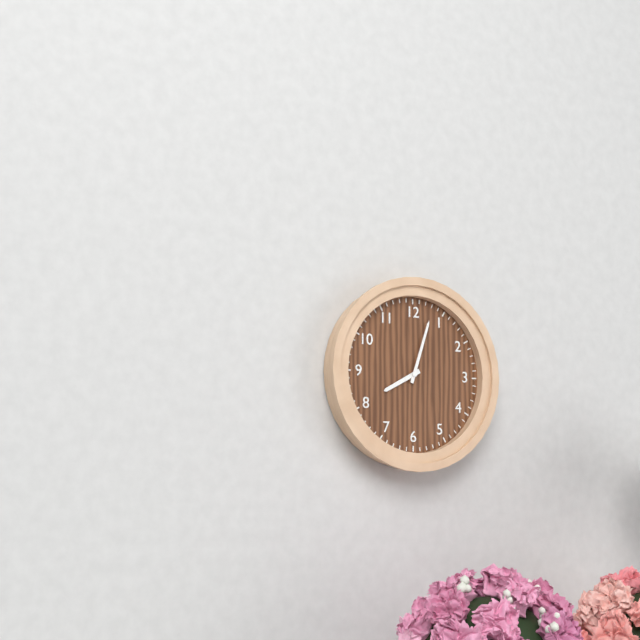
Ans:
h=8 m=3
